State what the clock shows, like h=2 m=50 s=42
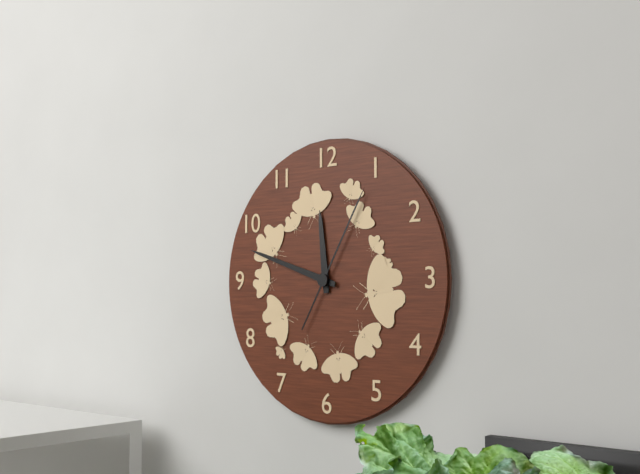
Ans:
h=11 m=48 s=5
